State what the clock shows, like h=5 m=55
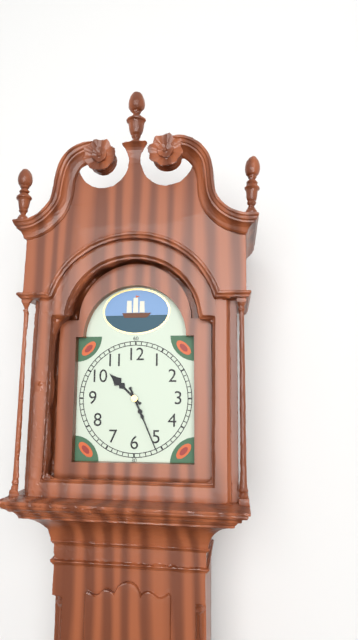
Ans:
h=10 m=26
